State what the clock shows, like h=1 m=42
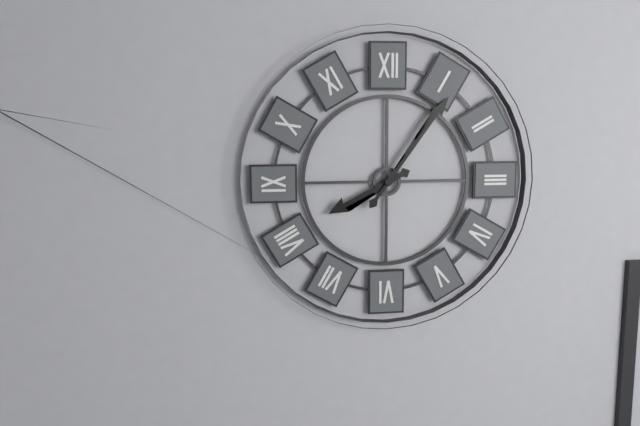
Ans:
h=8 m=6
